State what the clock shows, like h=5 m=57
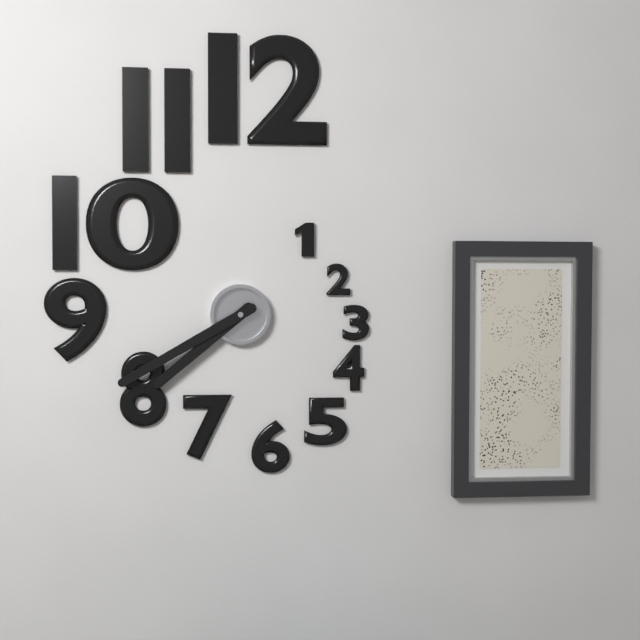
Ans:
h=7 m=40
